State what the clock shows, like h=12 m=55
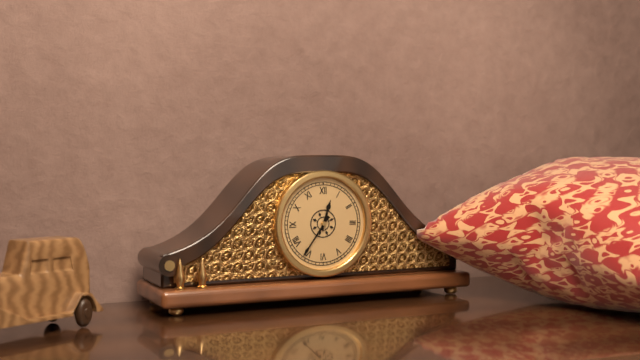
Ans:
h=12 m=36
